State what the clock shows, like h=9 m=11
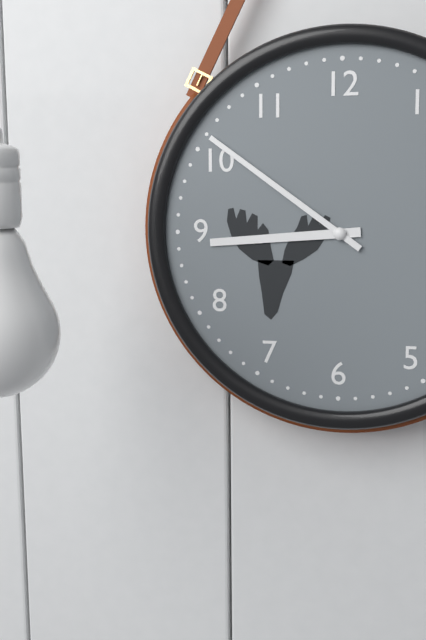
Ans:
h=8 m=51
